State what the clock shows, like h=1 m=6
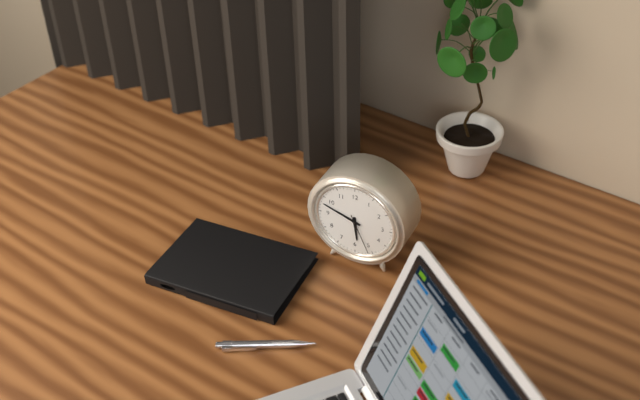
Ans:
h=5 m=48
